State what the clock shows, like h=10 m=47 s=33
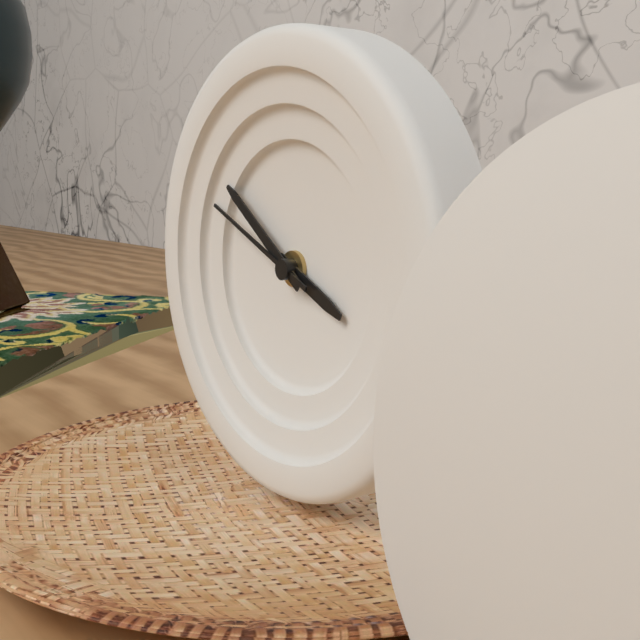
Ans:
h=3 m=51 s=49
